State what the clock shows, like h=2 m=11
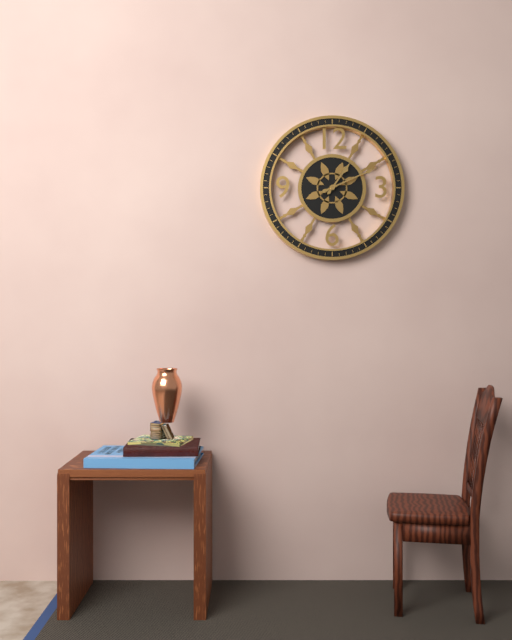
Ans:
h=1 m=11
